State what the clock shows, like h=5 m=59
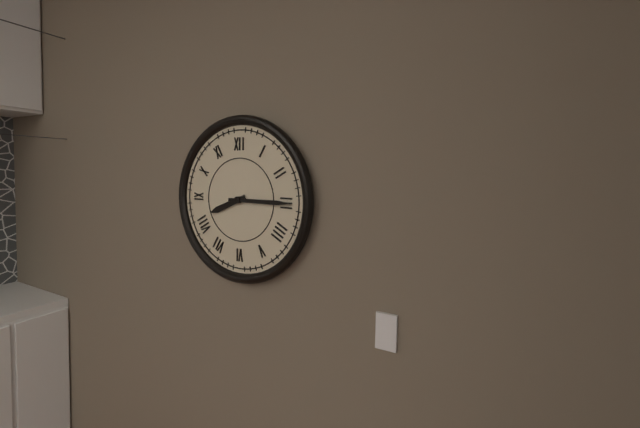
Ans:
h=8 m=15
